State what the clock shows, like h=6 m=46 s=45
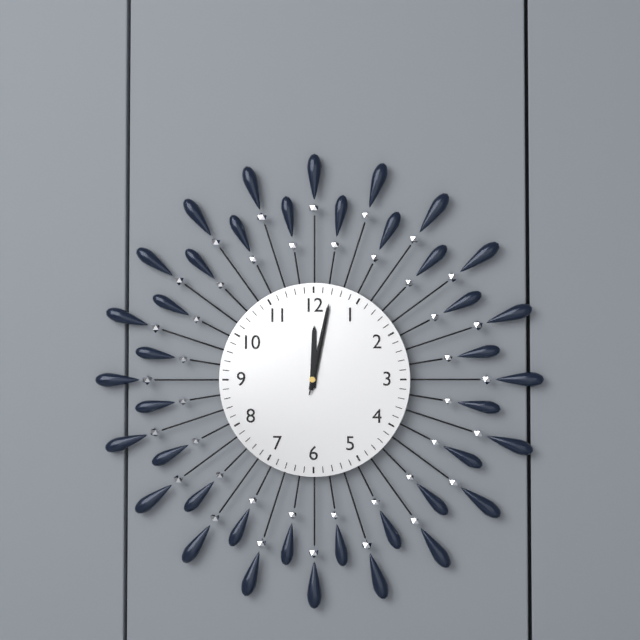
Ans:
h=12 m=2 s=2
